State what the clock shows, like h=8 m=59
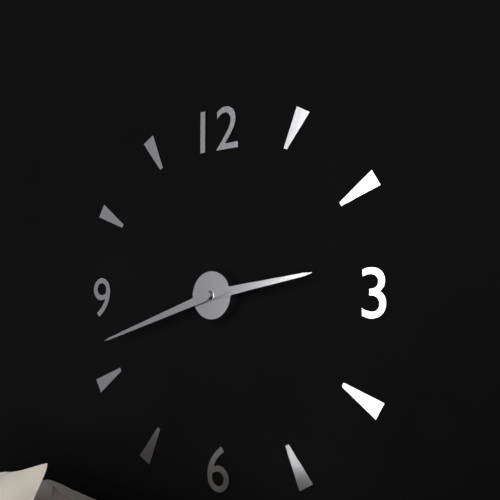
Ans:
h=2 m=42
